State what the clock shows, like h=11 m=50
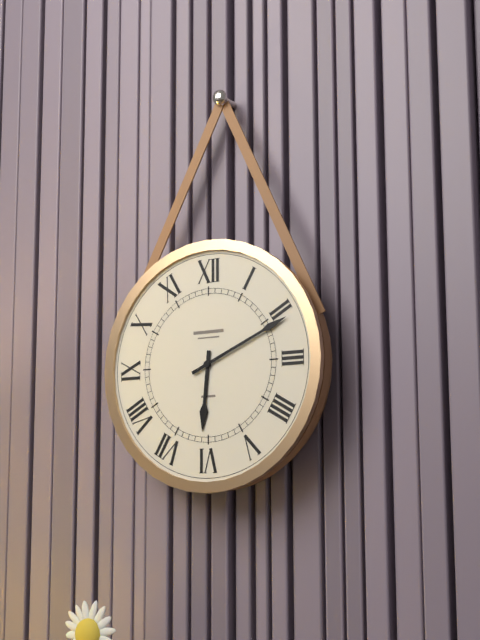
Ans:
h=6 m=11
